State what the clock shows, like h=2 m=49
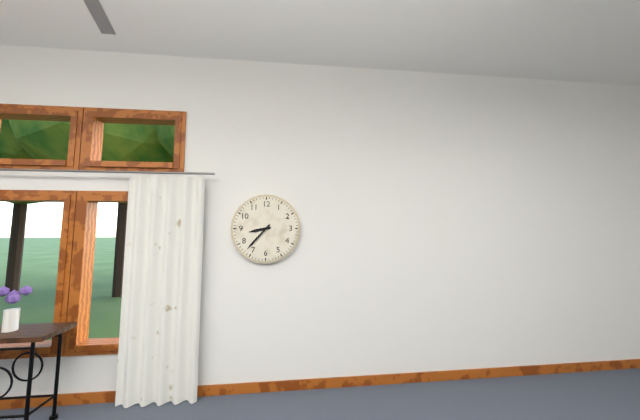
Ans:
h=8 m=37
